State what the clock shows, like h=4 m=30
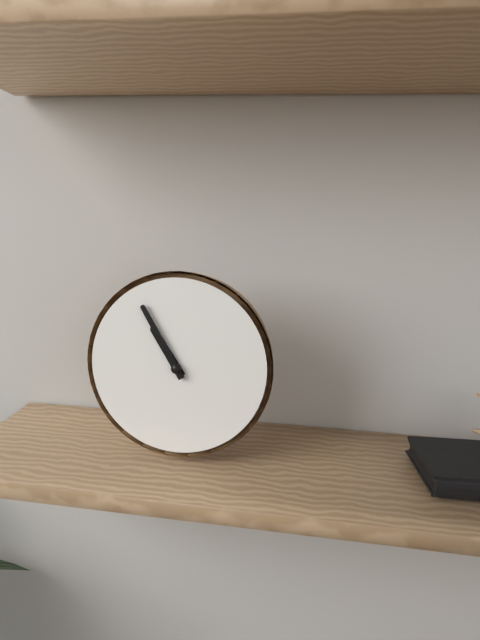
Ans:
h=10 m=55
